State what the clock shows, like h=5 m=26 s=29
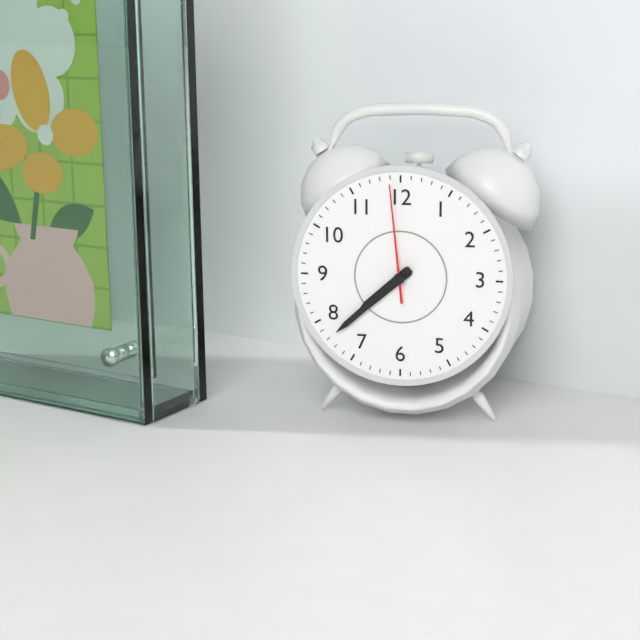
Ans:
h=7 m=38 s=59
